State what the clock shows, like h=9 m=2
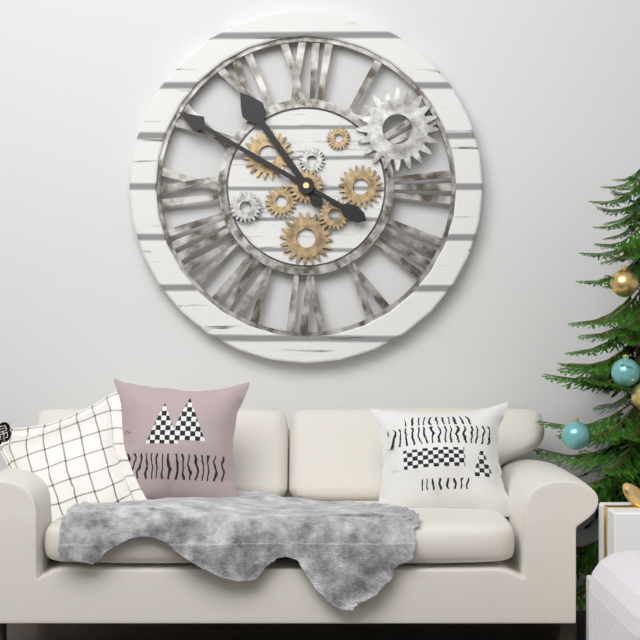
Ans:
h=10 m=50
